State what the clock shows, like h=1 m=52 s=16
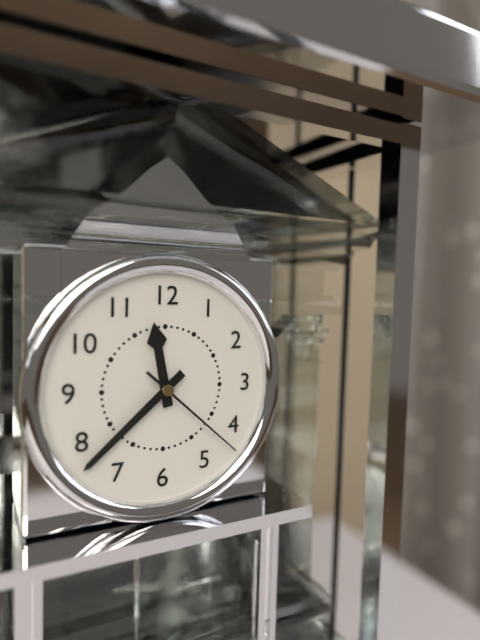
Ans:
h=11 m=38 s=22
